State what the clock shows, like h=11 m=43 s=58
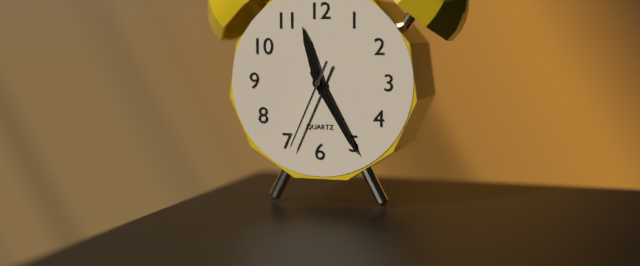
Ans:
h=11 m=25 s=34
